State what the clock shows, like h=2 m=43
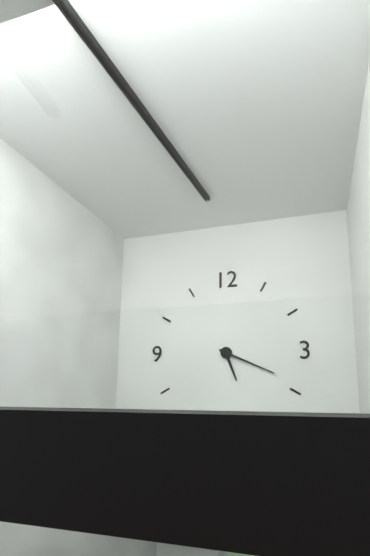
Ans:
h=5 m=19
